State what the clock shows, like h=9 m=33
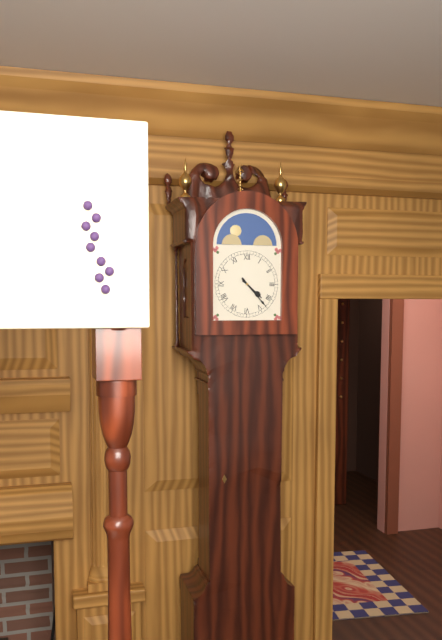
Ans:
h=4 m=23
